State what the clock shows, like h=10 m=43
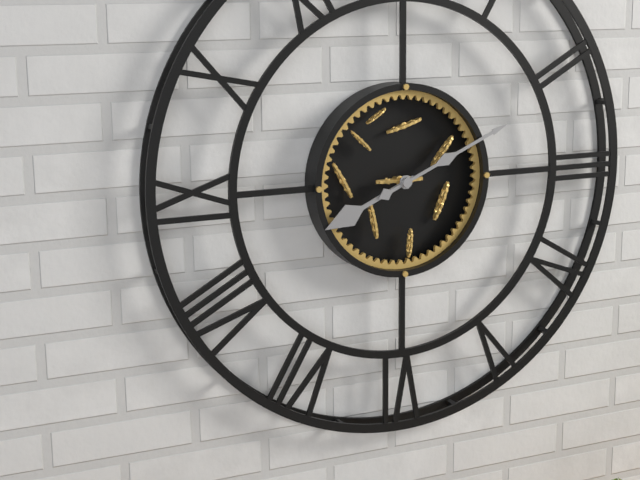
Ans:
h=8 m=11
